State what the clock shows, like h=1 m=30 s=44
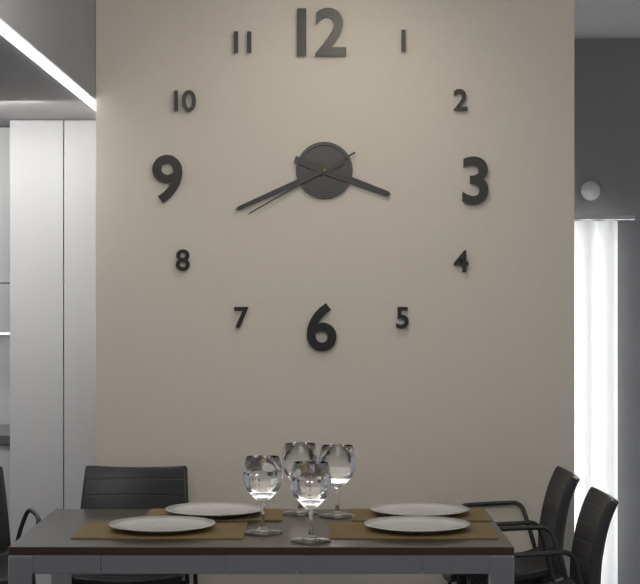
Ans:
h=3 m=41 s=40
